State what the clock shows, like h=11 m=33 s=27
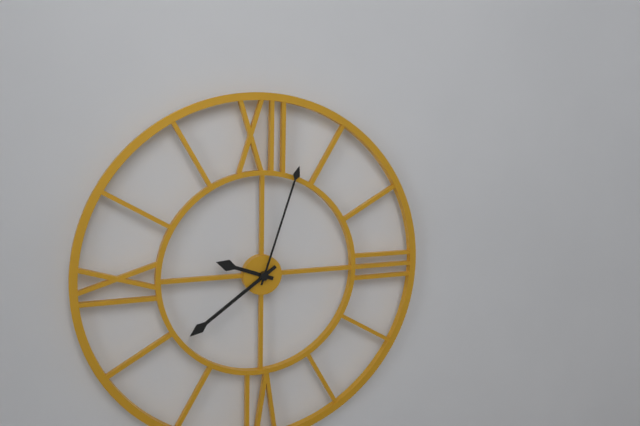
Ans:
h=9 m=39 s=3
